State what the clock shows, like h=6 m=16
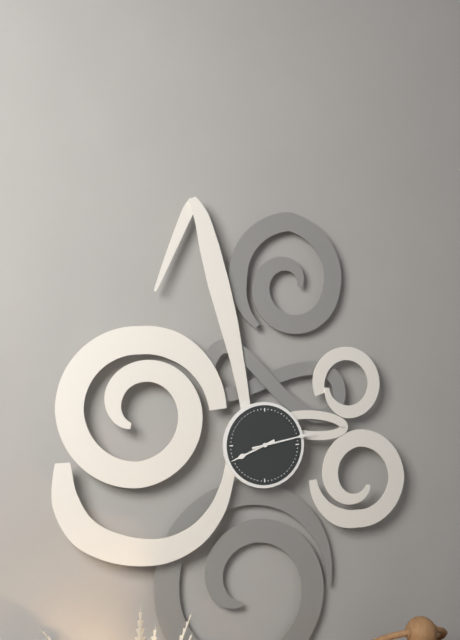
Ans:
h=8 m=13
